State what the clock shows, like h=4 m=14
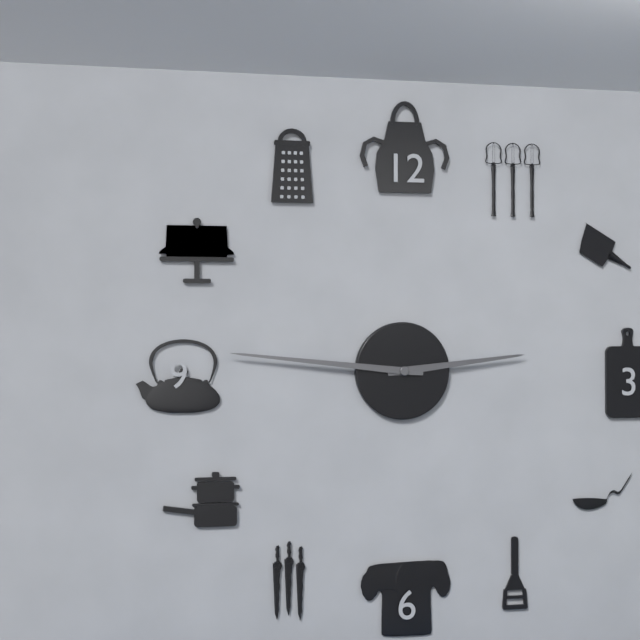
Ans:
h=2 m=46
